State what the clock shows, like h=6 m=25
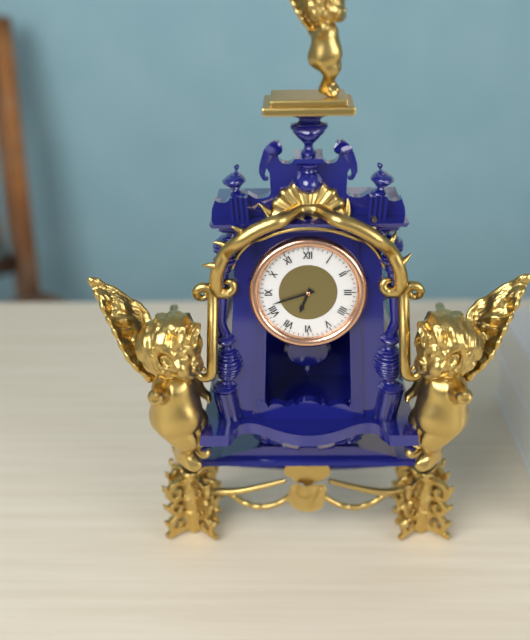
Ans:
h=6 m=42
